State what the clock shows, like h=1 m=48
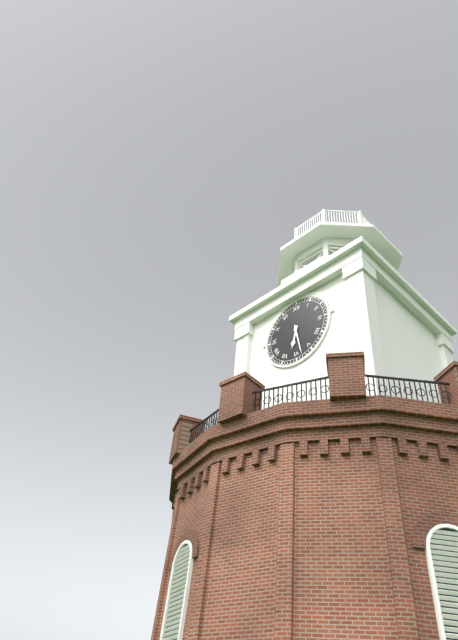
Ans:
h=6 m=28
